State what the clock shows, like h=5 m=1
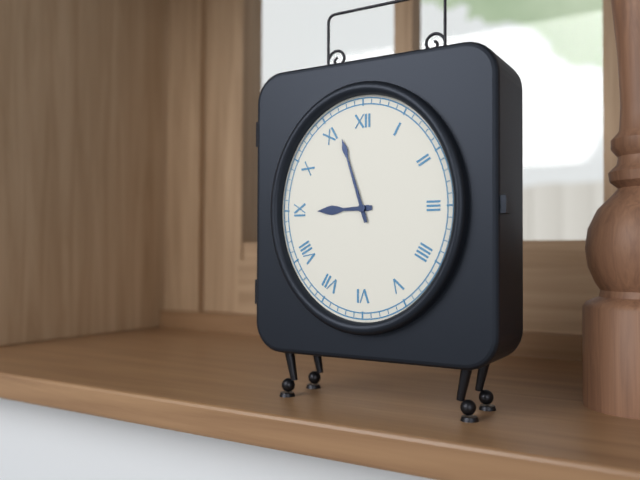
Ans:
h=8 m=57
